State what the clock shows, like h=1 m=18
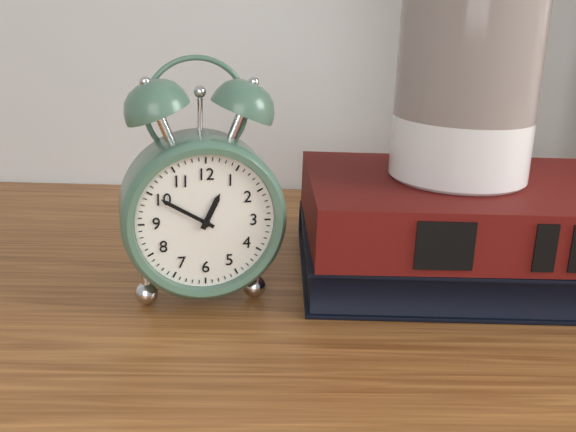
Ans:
h=12 m=50
